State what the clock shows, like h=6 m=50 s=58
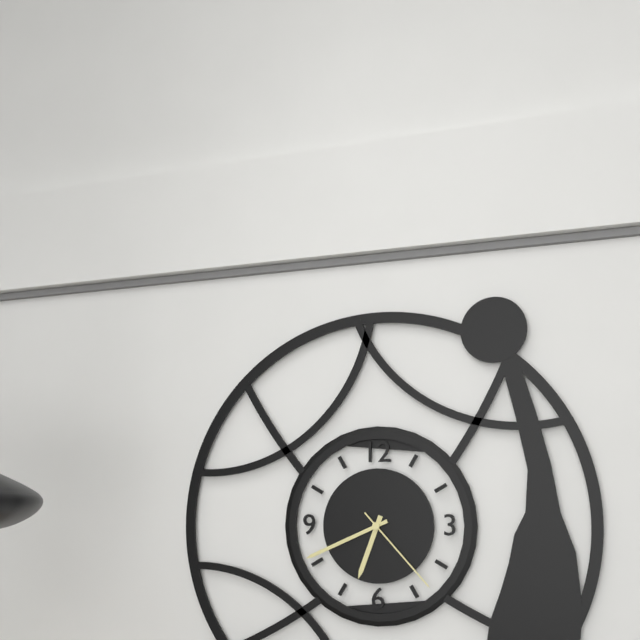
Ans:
h=6 m=41 s=23
